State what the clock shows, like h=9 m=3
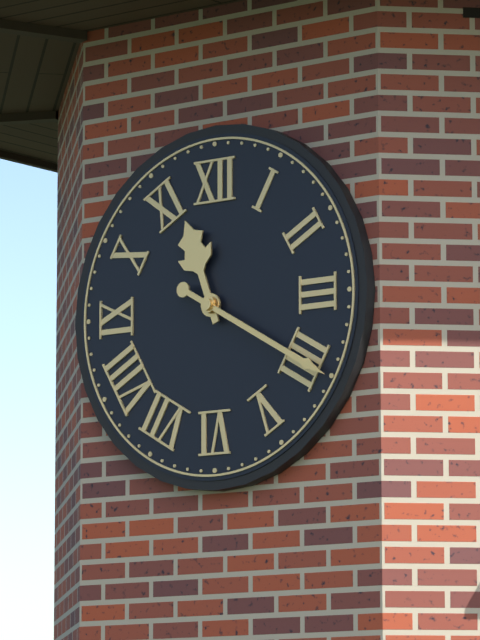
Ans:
h=11 m=20
